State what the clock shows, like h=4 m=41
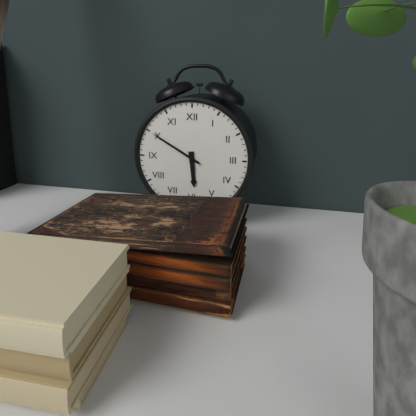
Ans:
h=5 m=50
